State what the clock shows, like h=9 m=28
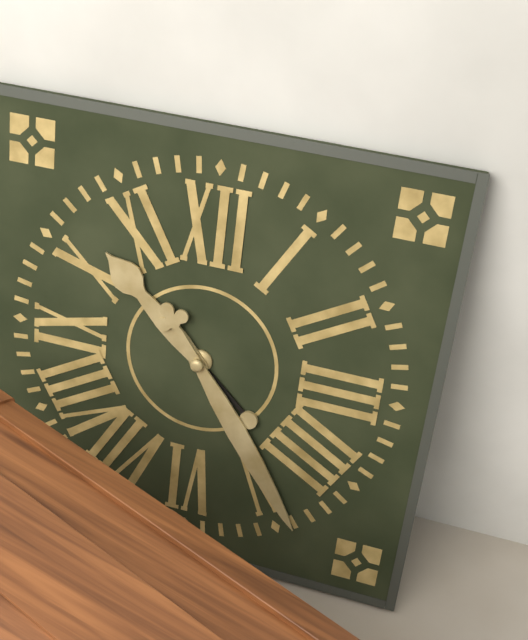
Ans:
h=10 m=24
